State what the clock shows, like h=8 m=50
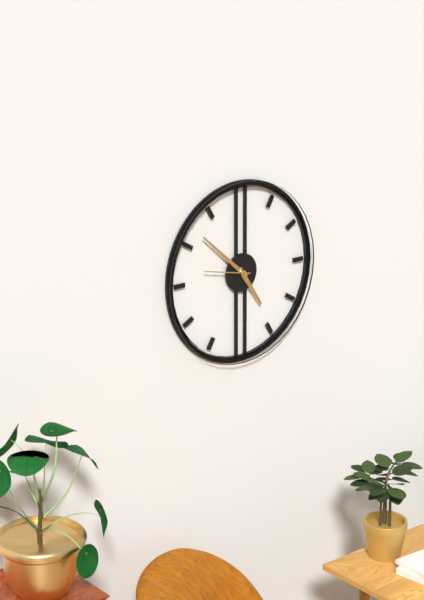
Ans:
h=4 m=52
